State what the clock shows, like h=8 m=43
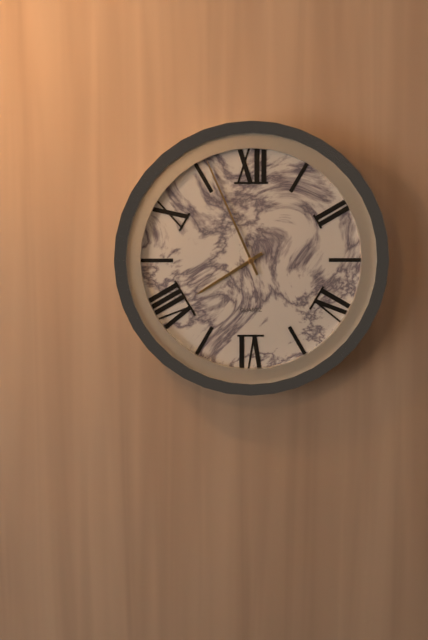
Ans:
h=7 m=56
